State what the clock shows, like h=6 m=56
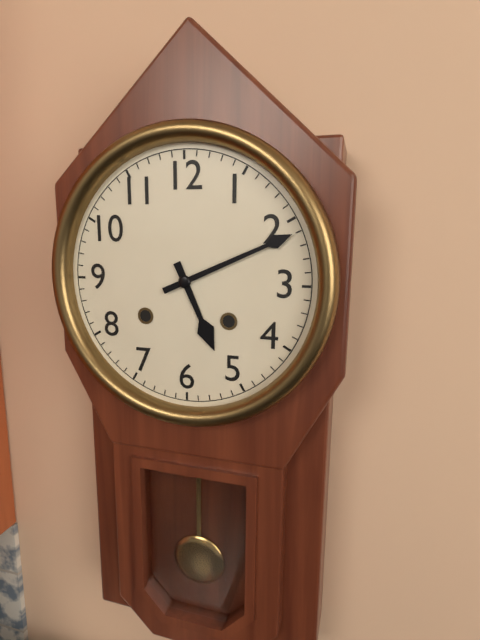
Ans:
h=5 m=11
